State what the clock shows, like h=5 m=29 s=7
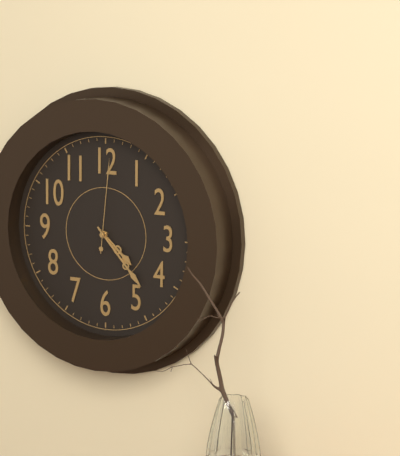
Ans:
h=4 m=23 s=1
